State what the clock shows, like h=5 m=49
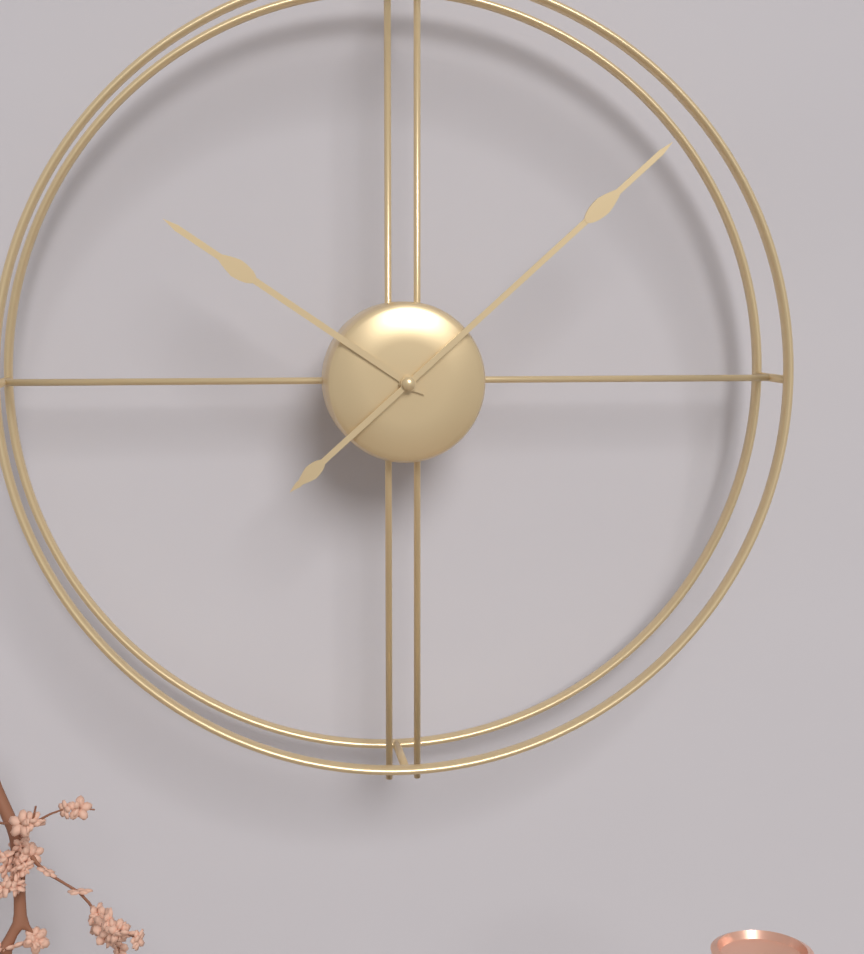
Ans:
h=10 m=8
